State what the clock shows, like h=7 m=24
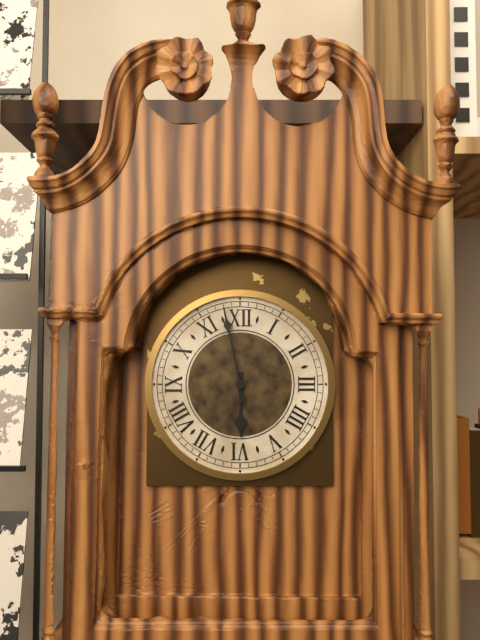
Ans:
h=5 m=58
